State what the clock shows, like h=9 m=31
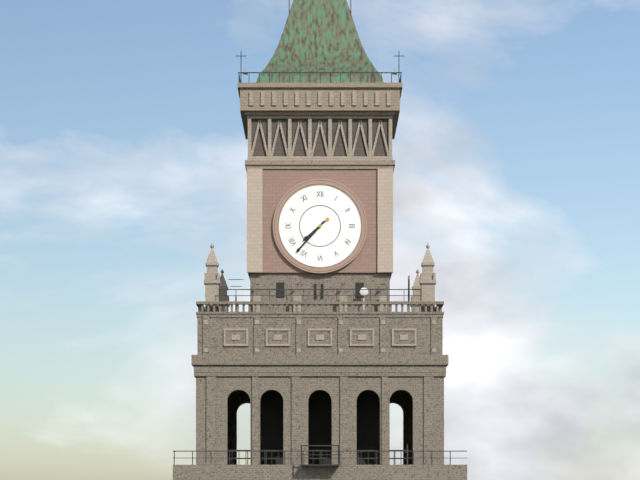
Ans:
h=7 m=37
